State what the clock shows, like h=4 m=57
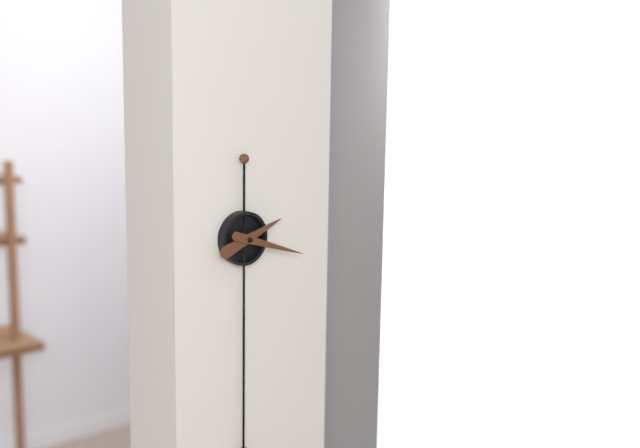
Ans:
h=2 m=18
